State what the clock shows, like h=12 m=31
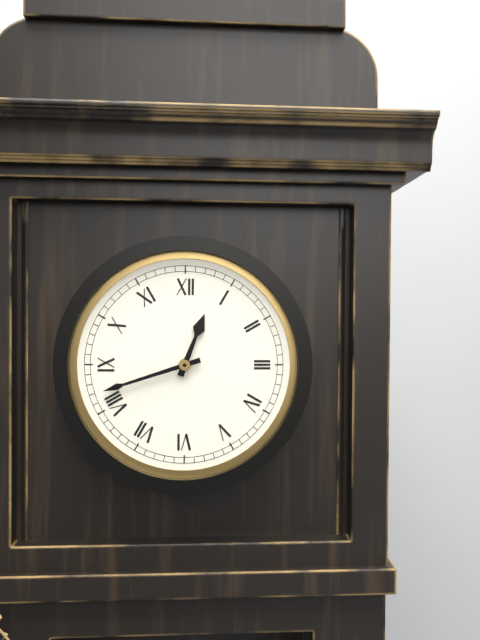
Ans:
h=12 m=42
